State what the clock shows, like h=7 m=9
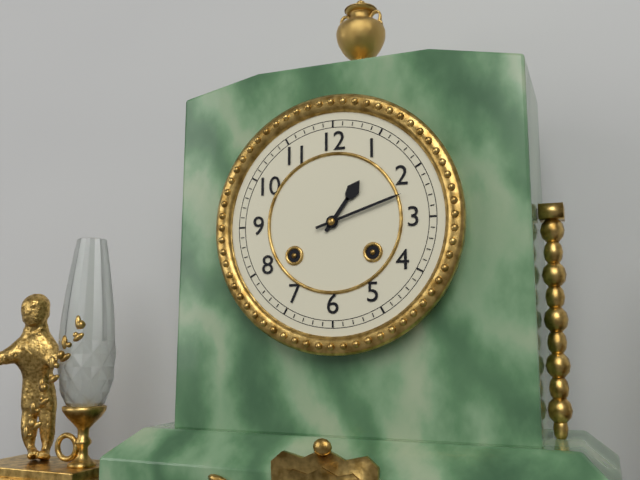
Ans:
h=1 m=12
